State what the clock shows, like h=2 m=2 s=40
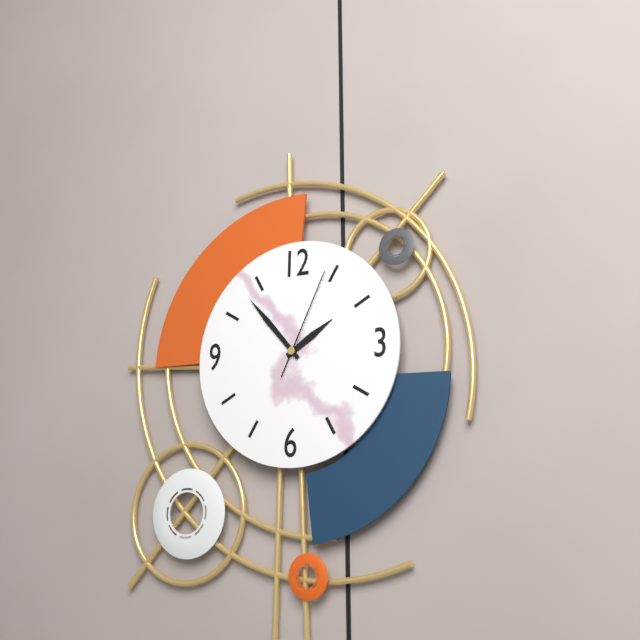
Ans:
h=1 m=53 s=4
